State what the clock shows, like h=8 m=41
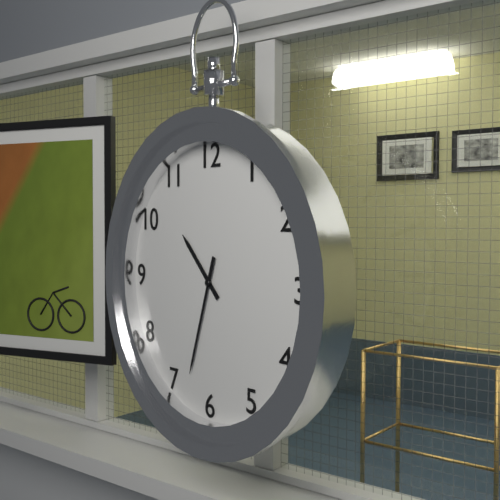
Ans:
h=10 m=33
